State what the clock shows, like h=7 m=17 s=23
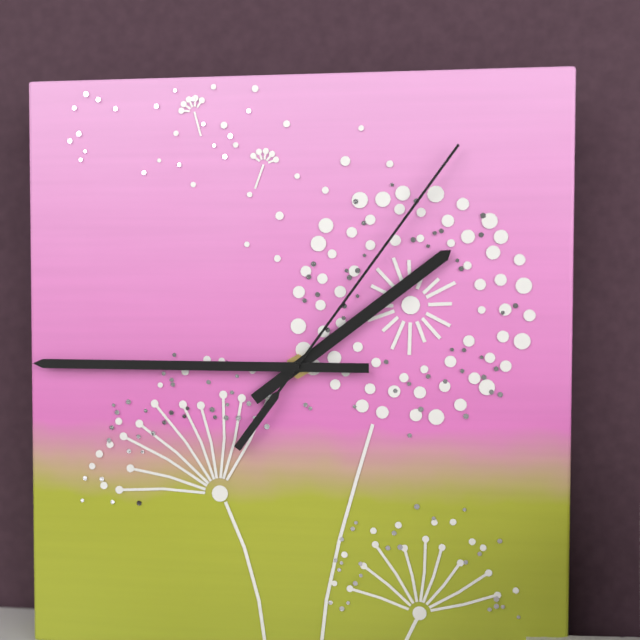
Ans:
h=1 m=45 s=6
